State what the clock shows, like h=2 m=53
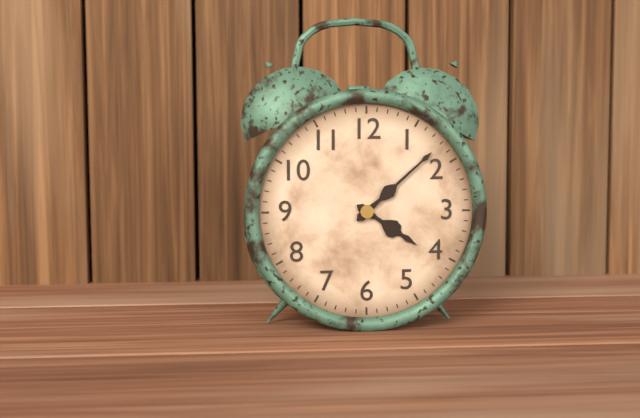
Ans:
h=4 m=8
